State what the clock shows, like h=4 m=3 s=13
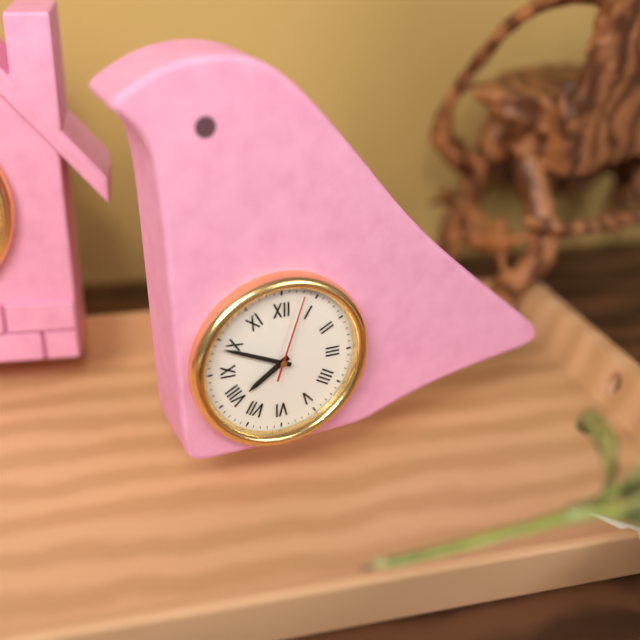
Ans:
h=7 m=49 s=3
